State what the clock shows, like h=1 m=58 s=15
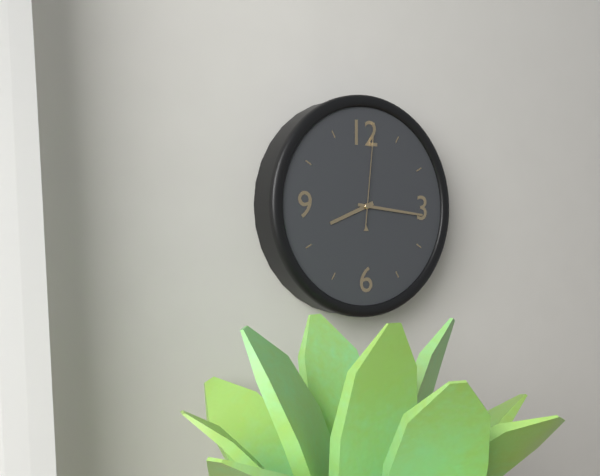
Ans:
h=8 m=16 s=1
